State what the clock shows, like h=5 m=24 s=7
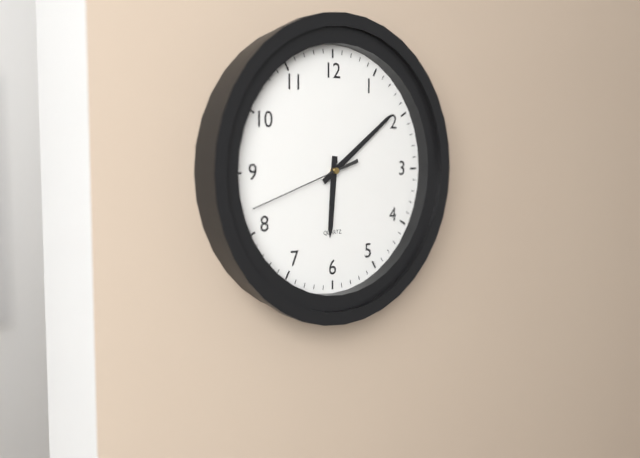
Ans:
h=6 m=9 s=42
